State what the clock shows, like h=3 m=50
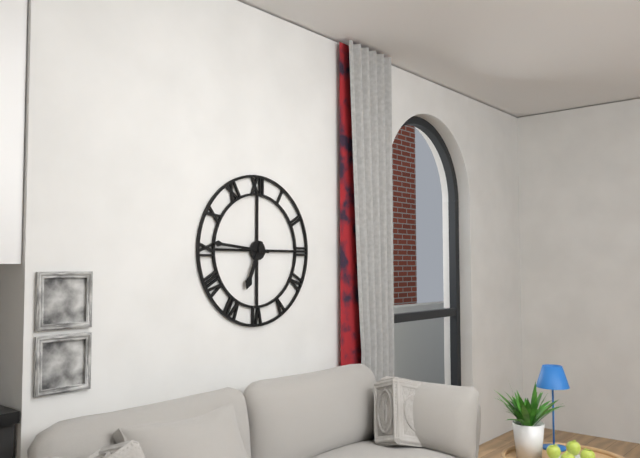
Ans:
h=6 m=46
